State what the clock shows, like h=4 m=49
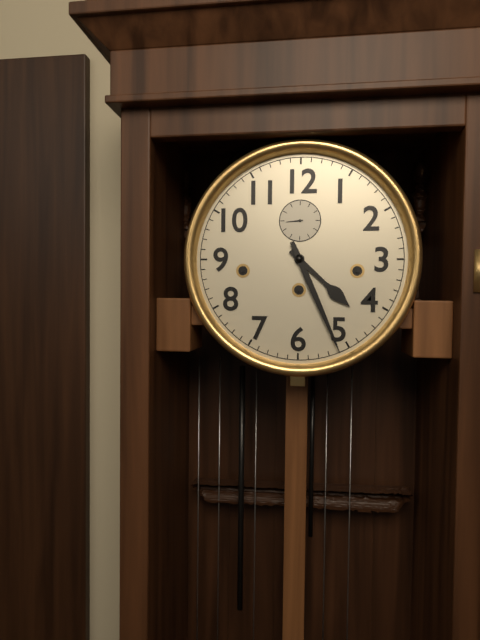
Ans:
h=4 m=26
